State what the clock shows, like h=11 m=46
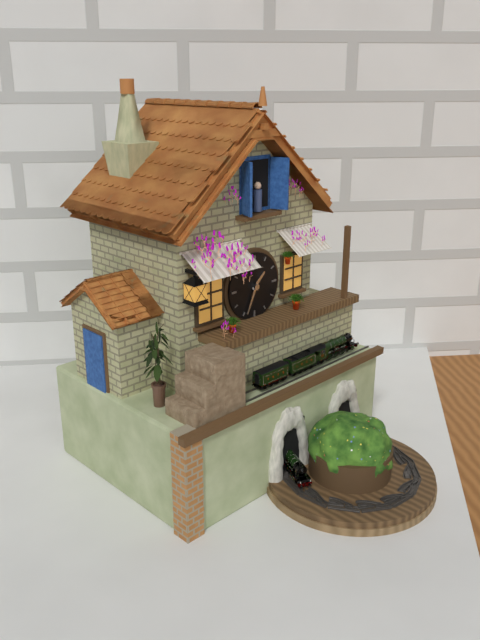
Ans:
h=1 m=34
